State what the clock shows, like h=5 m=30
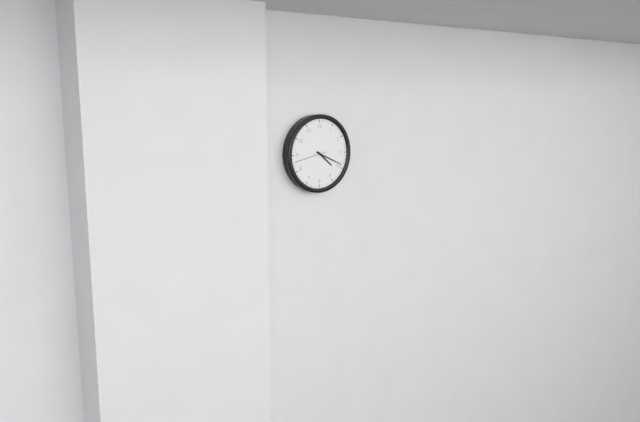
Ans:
h=4 m=19
